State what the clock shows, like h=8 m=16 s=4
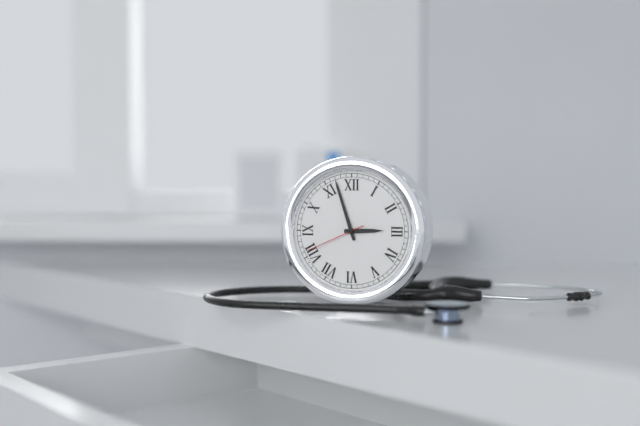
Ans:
h=2 m=57 s=41
